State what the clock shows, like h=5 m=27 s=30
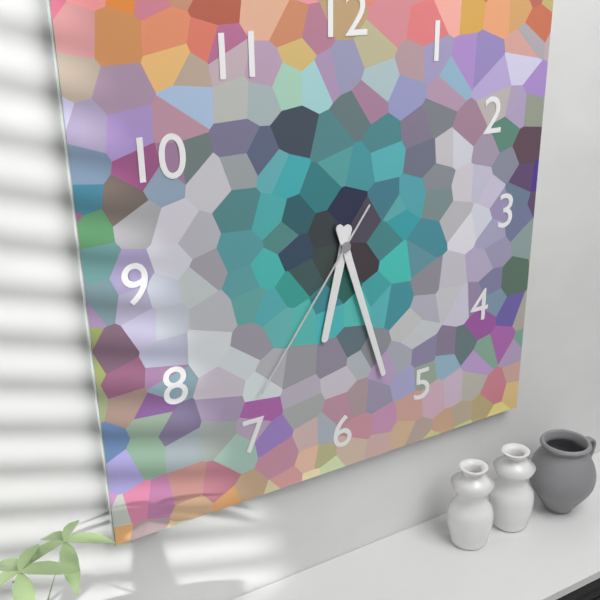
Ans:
h=6 m=27 s=36
